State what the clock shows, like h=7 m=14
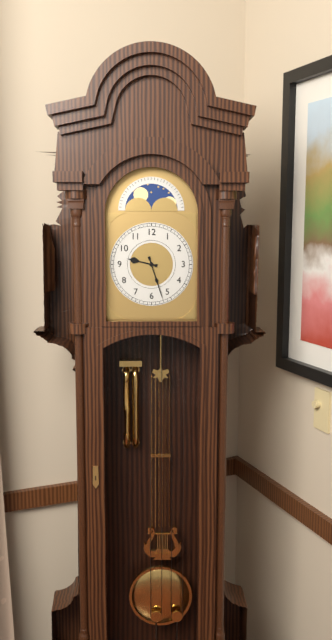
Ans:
h=9 m=27
